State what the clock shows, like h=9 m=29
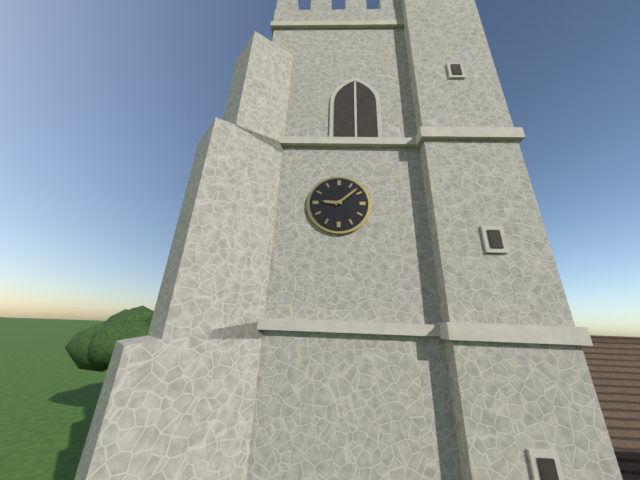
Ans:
h=9 m=8
